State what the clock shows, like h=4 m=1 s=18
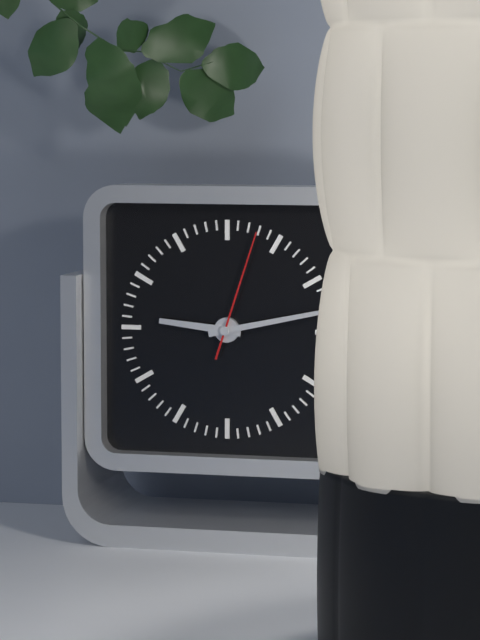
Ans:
h=9 m=13 s=3
